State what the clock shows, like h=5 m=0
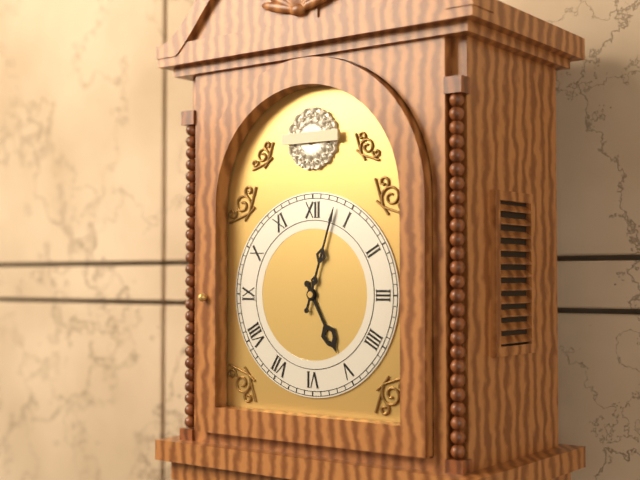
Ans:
h=5 m=3
